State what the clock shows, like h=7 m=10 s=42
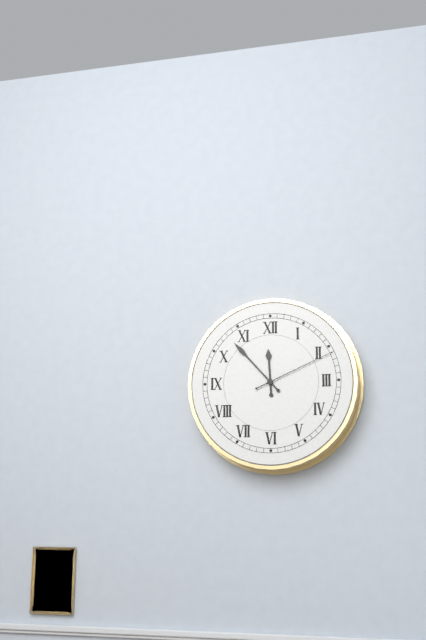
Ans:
h=11 m=53 s=11
